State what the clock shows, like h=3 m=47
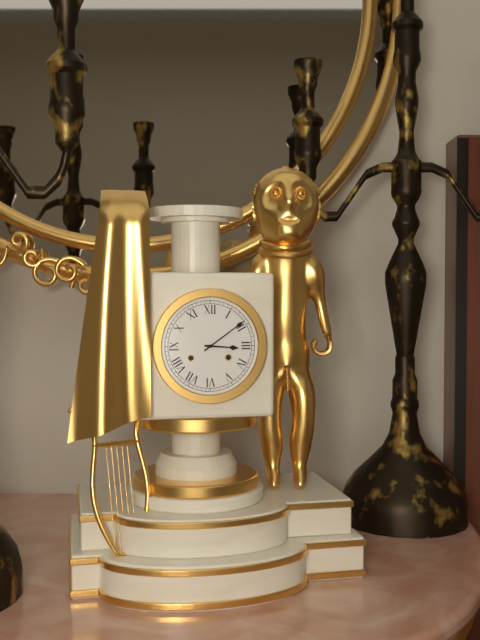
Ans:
h=3 m=9
